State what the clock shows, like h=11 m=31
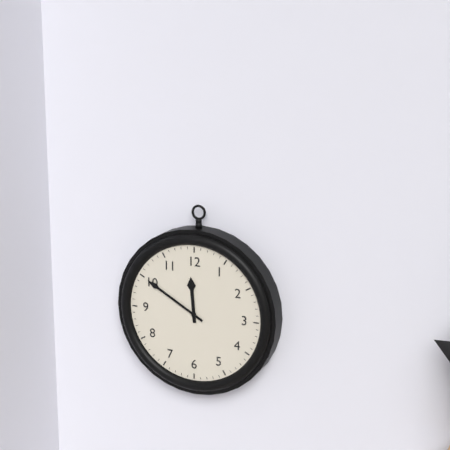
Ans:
h=11 m=50
